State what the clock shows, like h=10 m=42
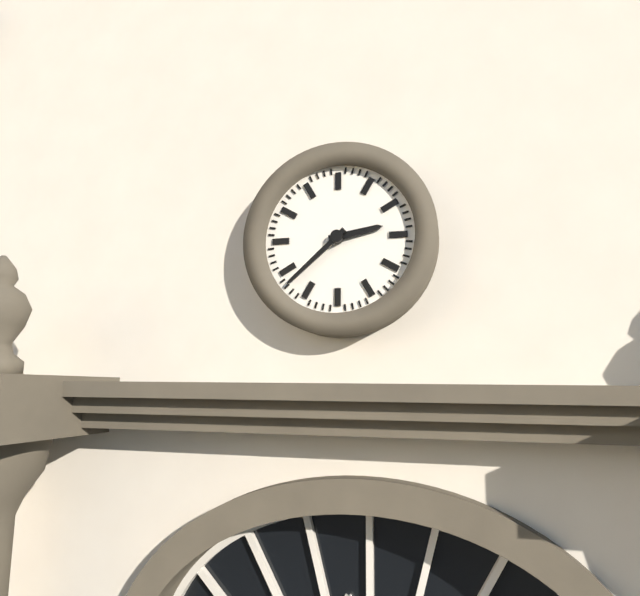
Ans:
h=2 m=38
